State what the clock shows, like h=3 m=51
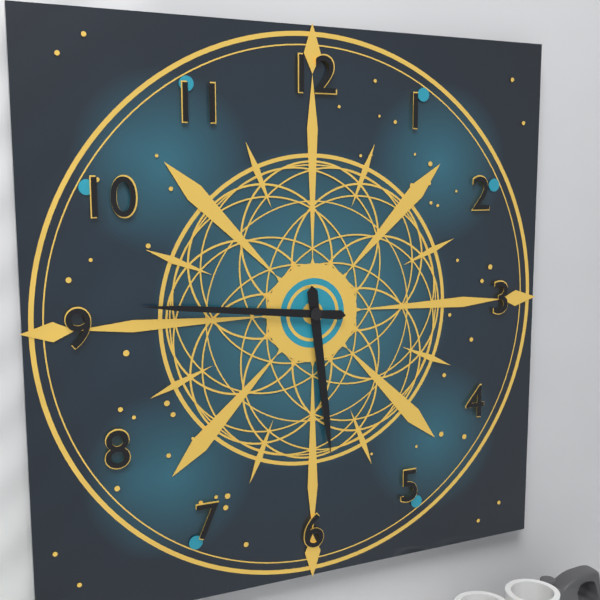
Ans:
h=5 m=46
